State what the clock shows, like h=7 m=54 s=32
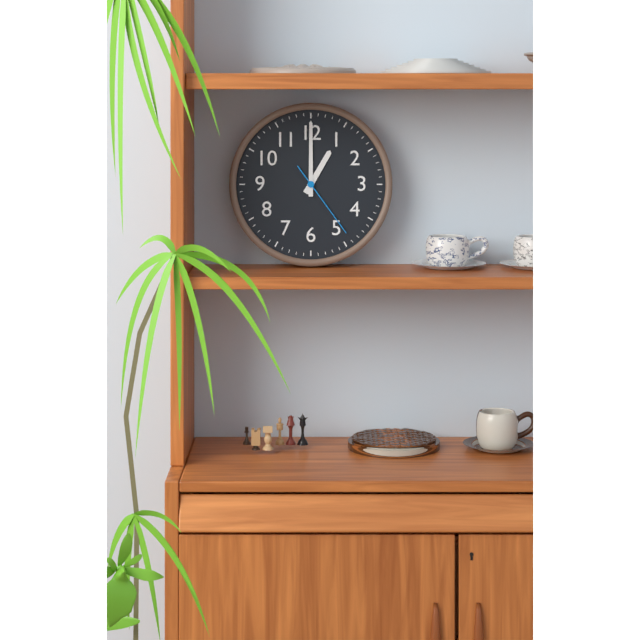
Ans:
h=1 m=0 s=24
